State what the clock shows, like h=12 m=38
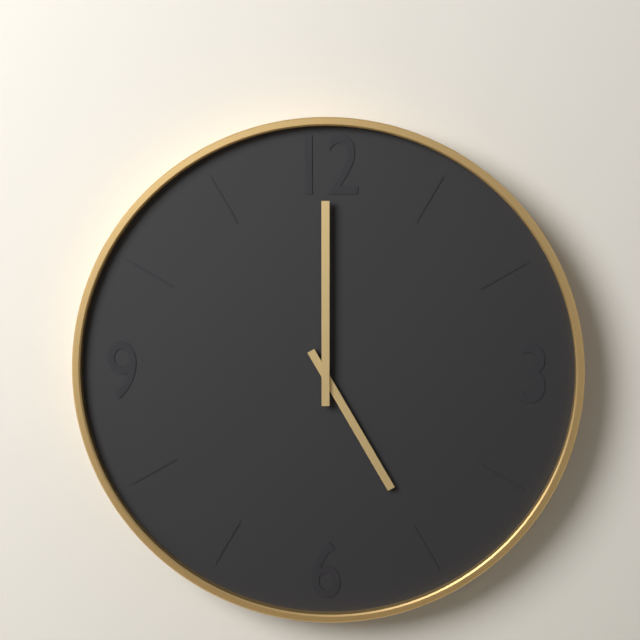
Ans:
h=5 m=0
